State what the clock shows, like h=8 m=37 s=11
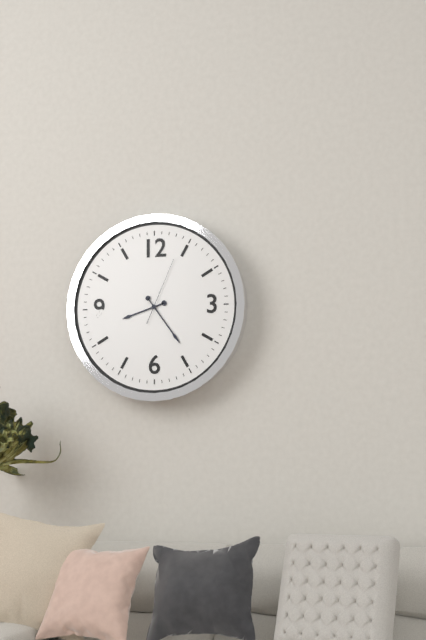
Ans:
h=8 m=24 s=4
